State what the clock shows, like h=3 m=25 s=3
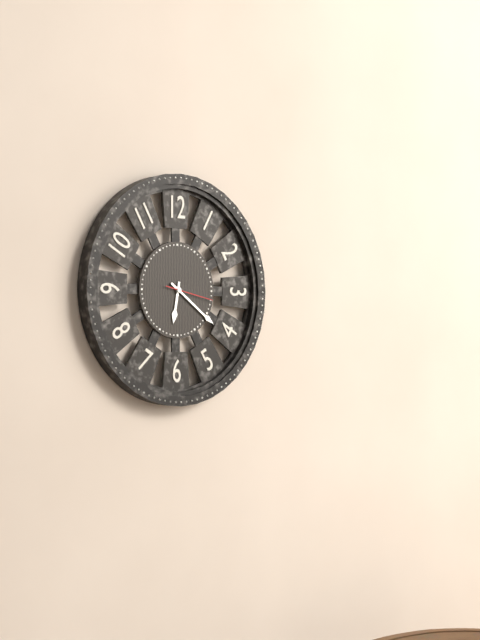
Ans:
h=6 m=21 s=17
